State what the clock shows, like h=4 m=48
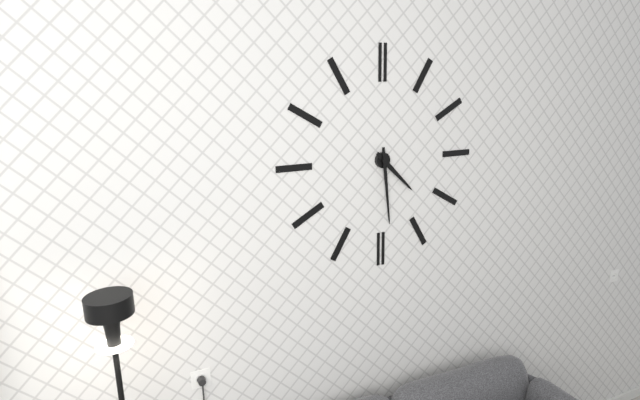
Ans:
h=4 m=29
